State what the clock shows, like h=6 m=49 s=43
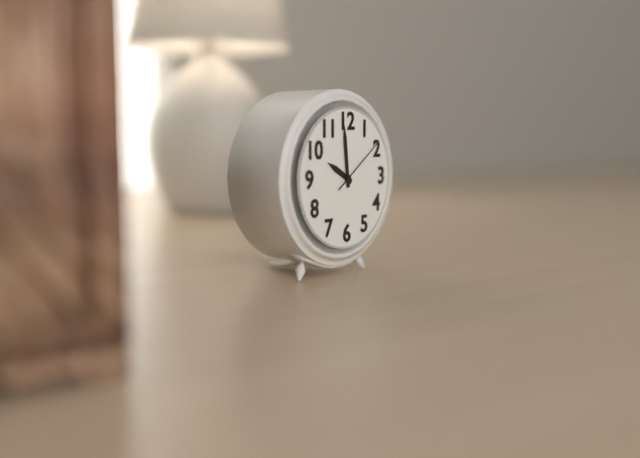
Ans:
h=9 m=59 s=9
